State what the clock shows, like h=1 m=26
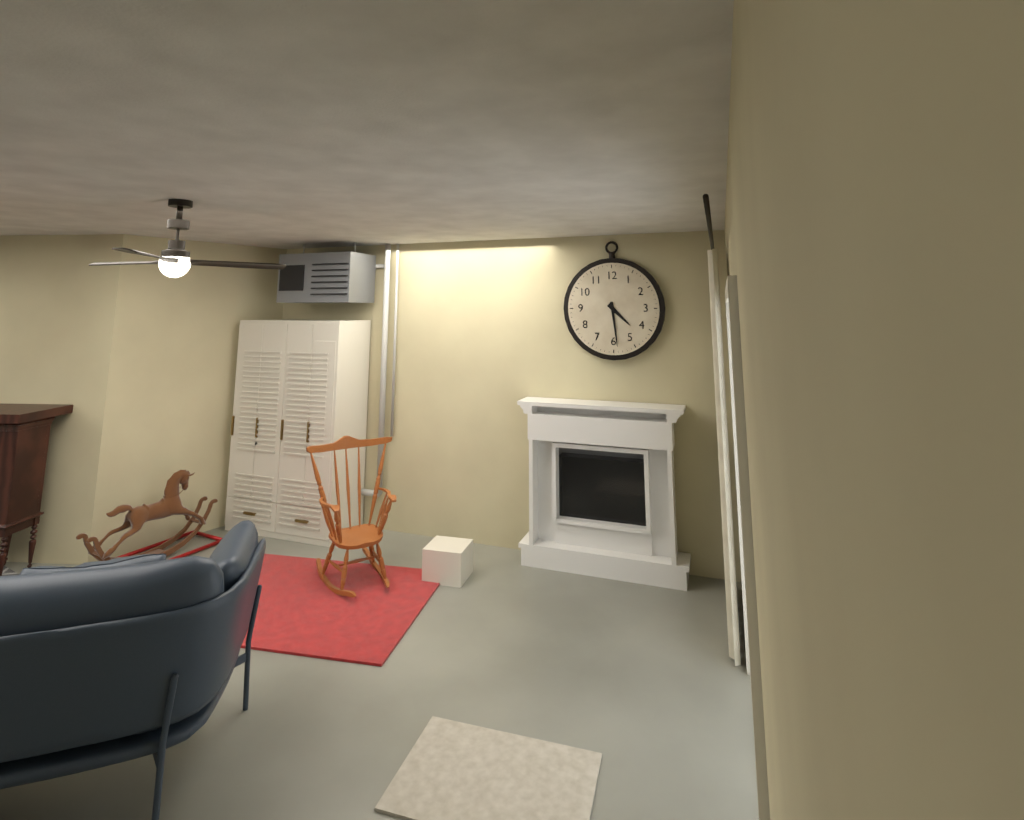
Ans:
h=4 m=29
